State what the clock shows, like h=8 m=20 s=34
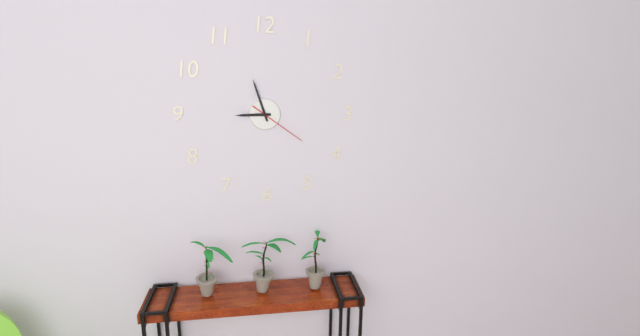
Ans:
h=8 m=57 s=21
